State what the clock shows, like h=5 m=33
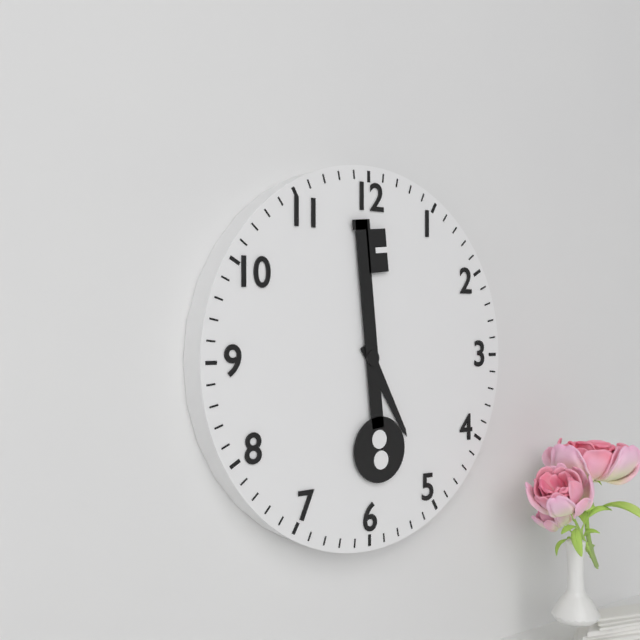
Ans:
h=4 m=59
